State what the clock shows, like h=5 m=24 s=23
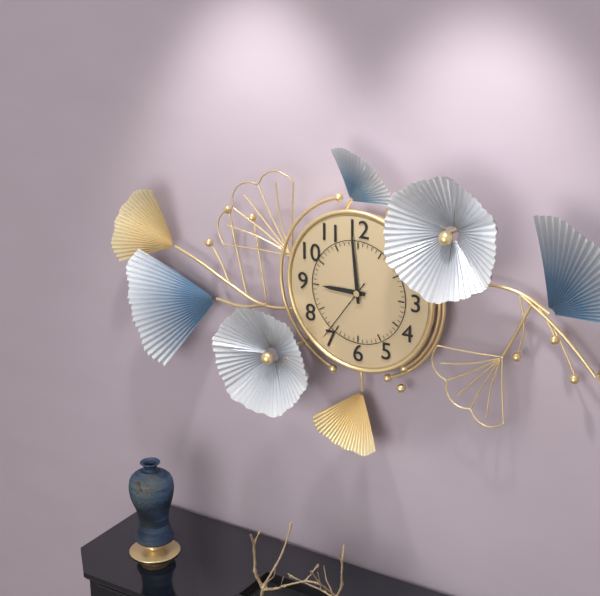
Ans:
h=8 m=59 s=36
